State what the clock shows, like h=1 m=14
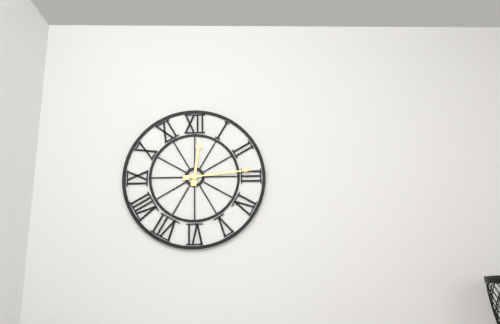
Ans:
h=12 m=14
